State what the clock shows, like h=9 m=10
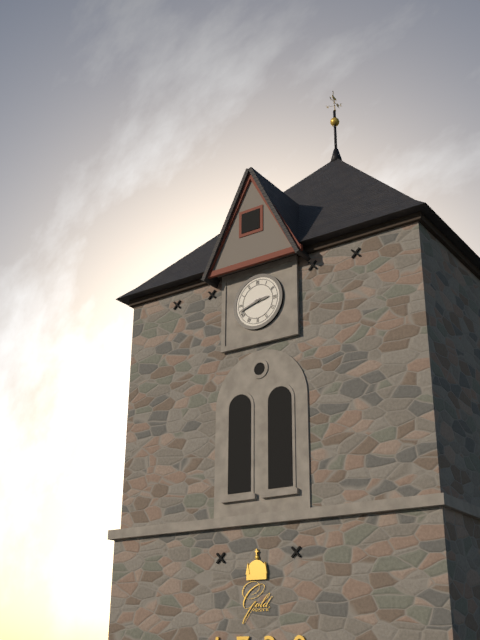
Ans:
h=2 m=42
